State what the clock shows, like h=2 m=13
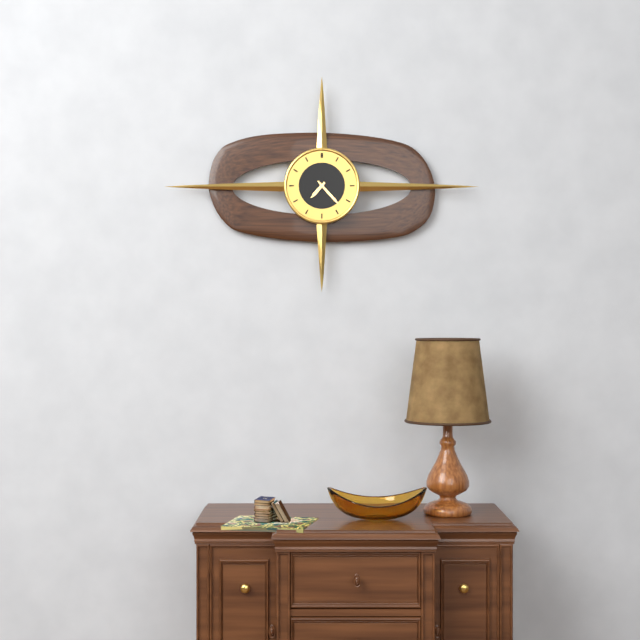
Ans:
h=7 m=23
